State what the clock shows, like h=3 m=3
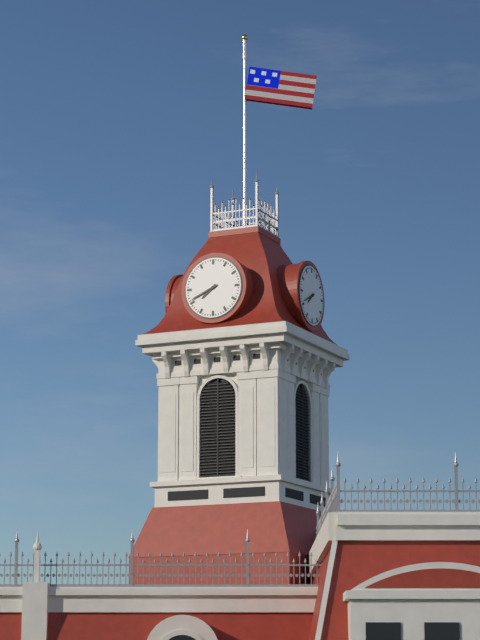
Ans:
h=7 m=41
